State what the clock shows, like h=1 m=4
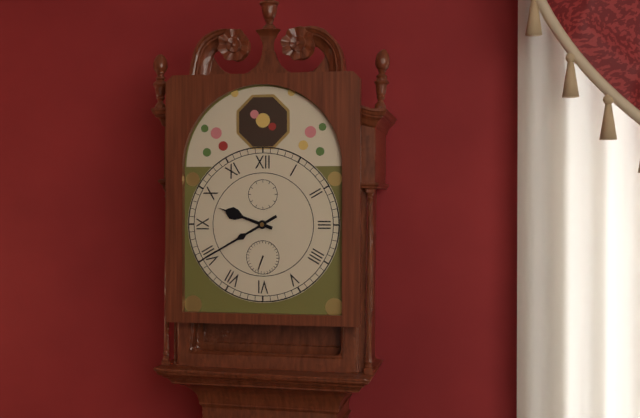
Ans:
h=9 m=40
